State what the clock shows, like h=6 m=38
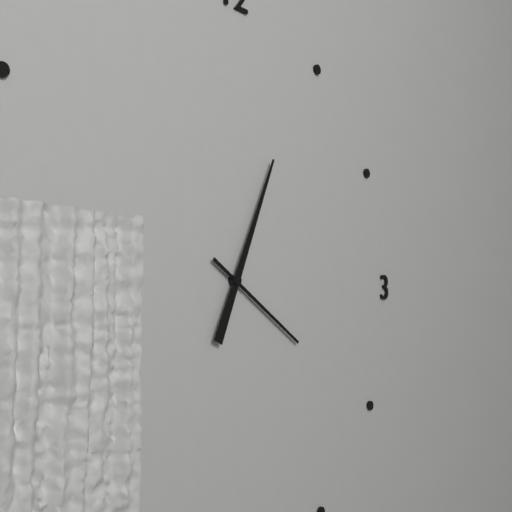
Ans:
h=4 m=4
